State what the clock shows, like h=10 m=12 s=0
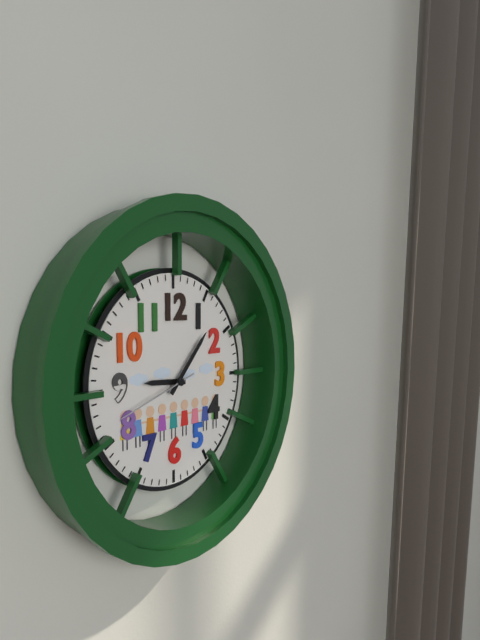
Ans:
h=9 m=7 s=42
